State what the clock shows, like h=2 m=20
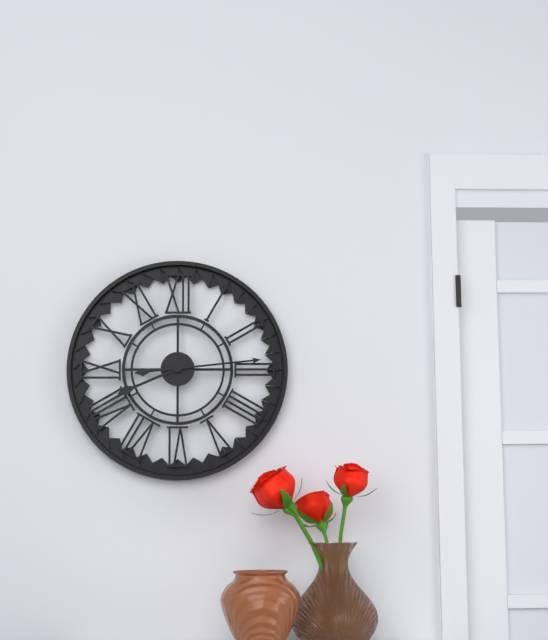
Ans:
h=8 m=14
